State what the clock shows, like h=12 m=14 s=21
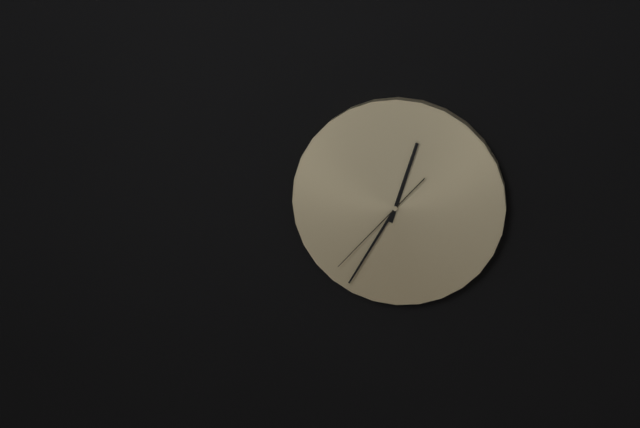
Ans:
h=12 m=35 s=37
